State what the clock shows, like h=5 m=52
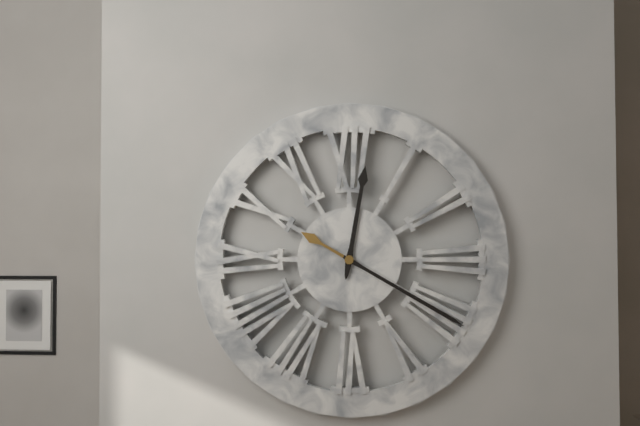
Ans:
h=12 m=20
